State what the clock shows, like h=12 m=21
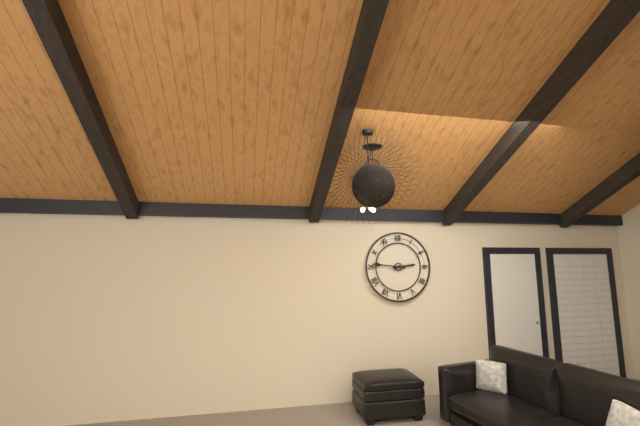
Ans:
h=2 m=46
